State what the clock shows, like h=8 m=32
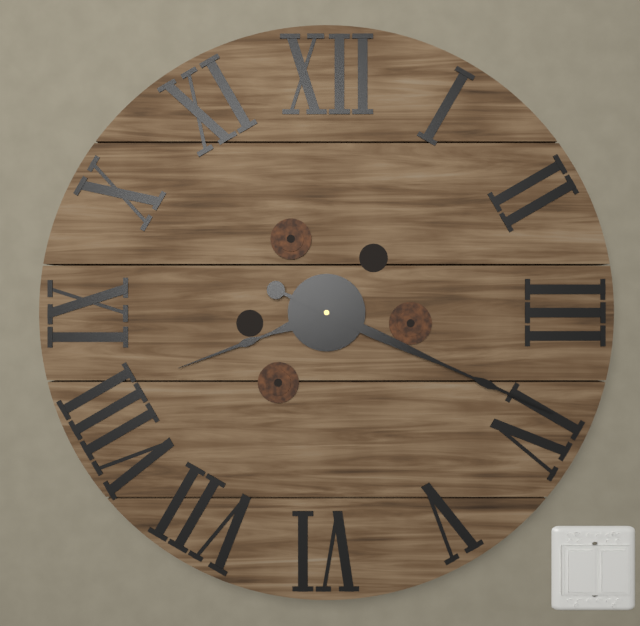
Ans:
h=8 m=19
